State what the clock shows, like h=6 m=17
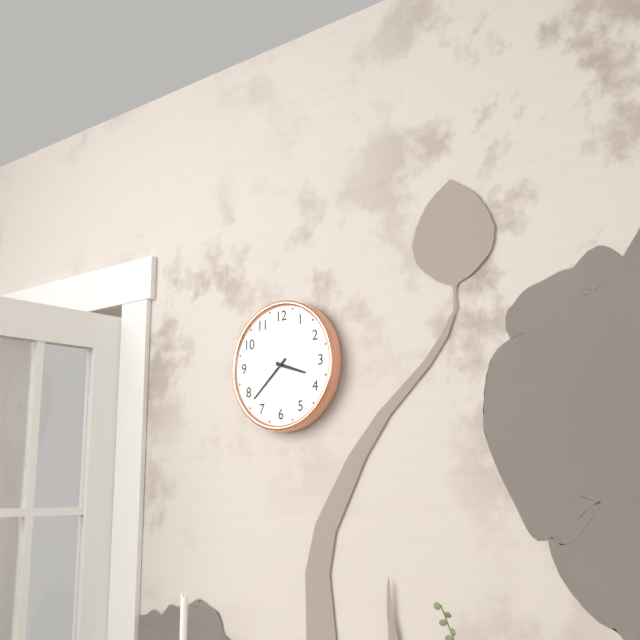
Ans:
h=3 m=38
